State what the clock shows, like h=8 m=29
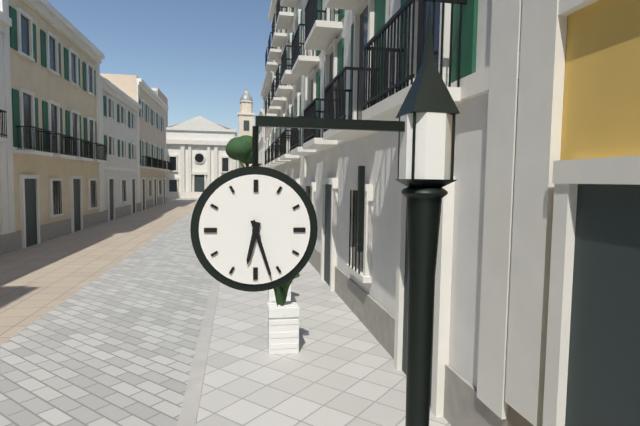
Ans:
h=6 m=27
